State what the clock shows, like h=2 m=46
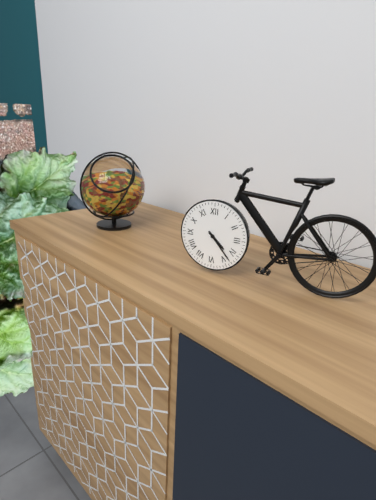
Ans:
h=4 m=23
